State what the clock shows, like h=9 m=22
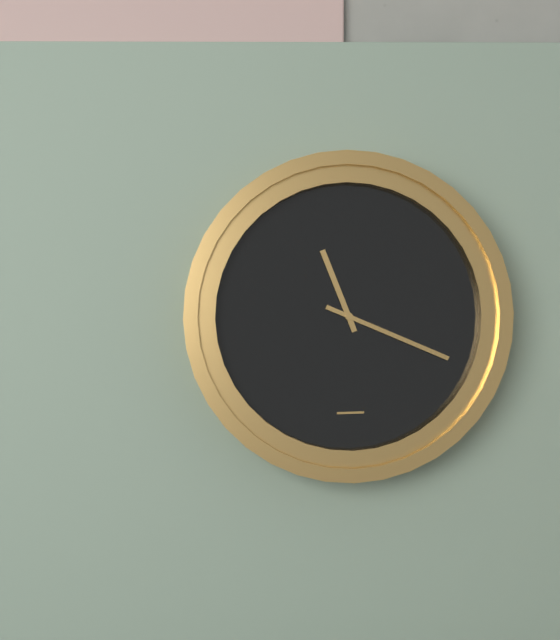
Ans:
h=11 m=19
